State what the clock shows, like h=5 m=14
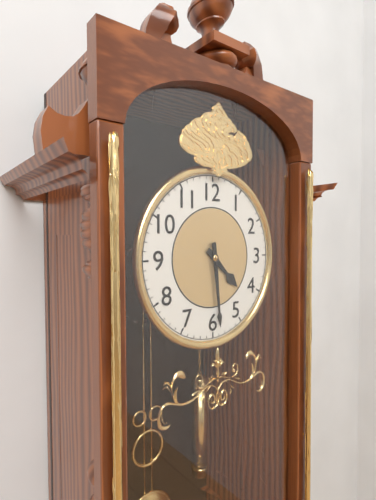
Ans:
h=4 m=29
